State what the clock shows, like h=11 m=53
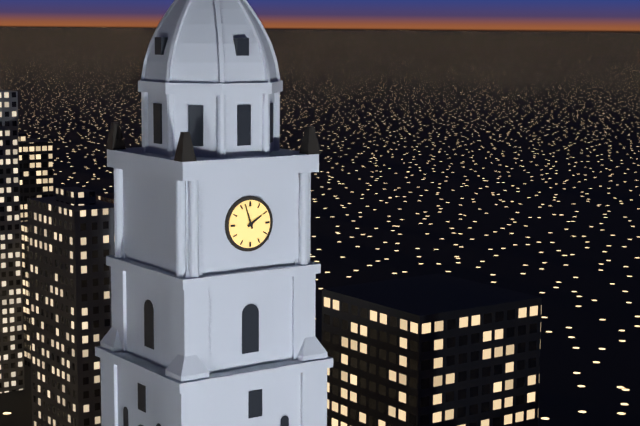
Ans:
h=1 m=57
